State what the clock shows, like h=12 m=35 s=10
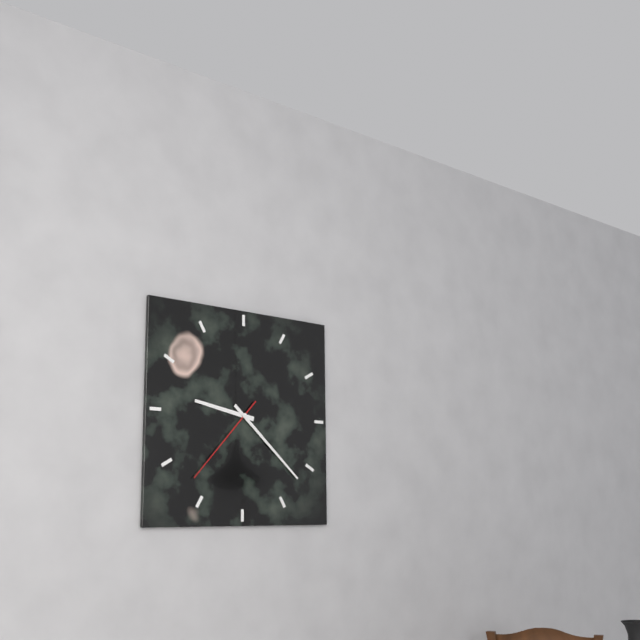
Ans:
h=9 m=22 s=37
